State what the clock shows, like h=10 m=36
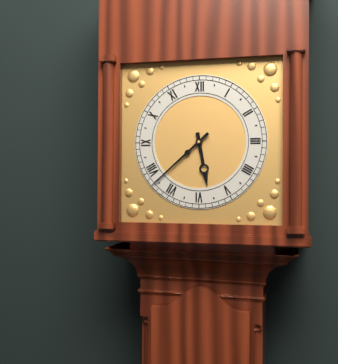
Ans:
h=5 m=38
